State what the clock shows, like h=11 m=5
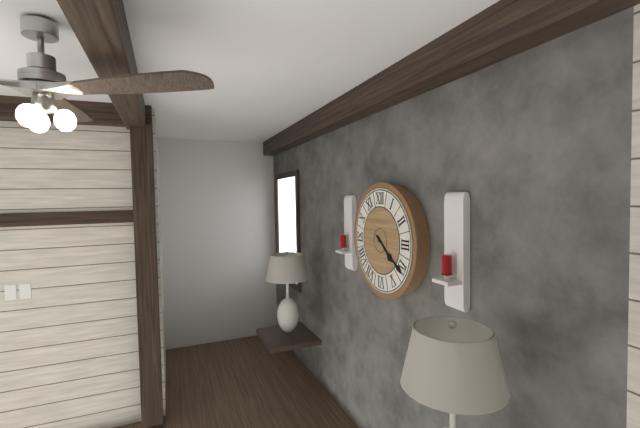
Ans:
h=4 m=21
